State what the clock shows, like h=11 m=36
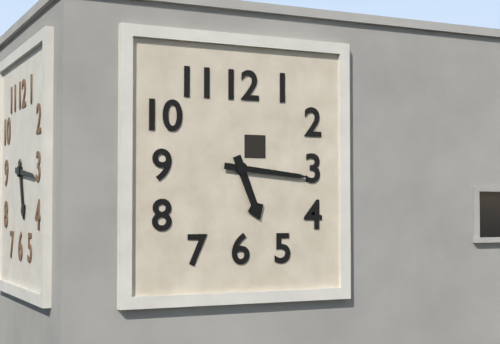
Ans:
h=5 m=16
